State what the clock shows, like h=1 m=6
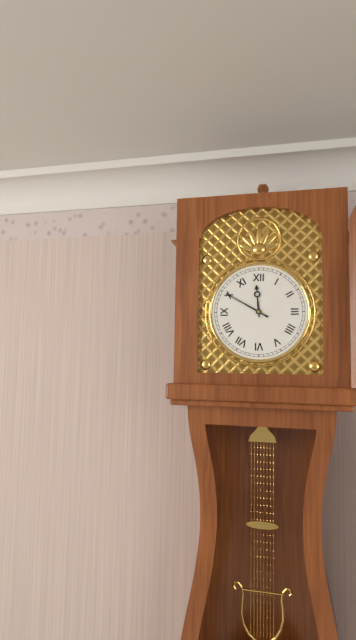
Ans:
h=11 m=50
